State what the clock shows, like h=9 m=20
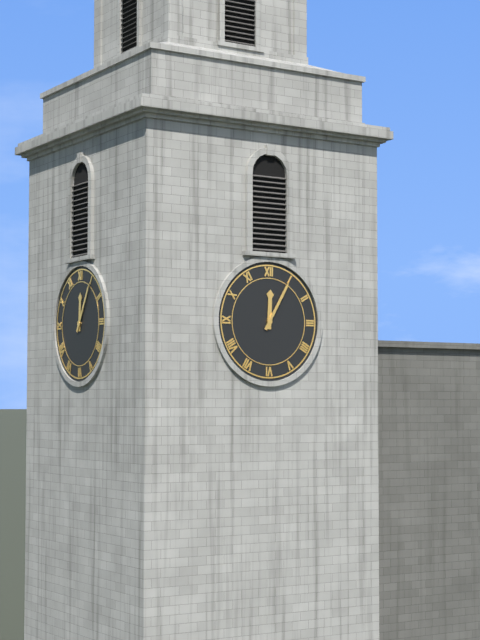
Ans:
h=12 m=5
